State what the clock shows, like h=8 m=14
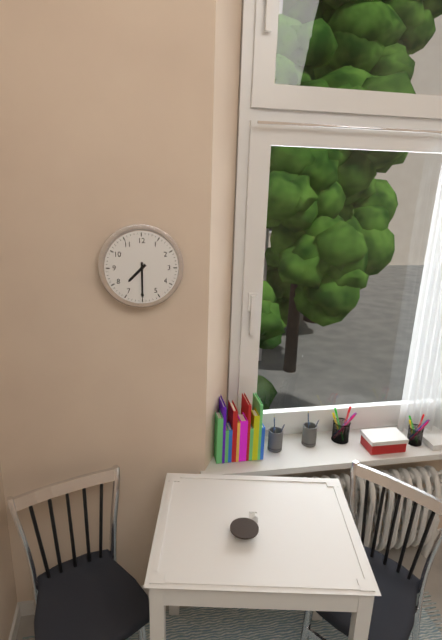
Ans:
h=7 m=30
